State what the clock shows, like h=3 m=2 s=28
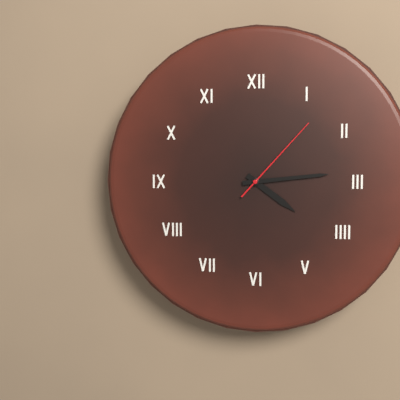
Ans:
h=4 m=14 s=7
